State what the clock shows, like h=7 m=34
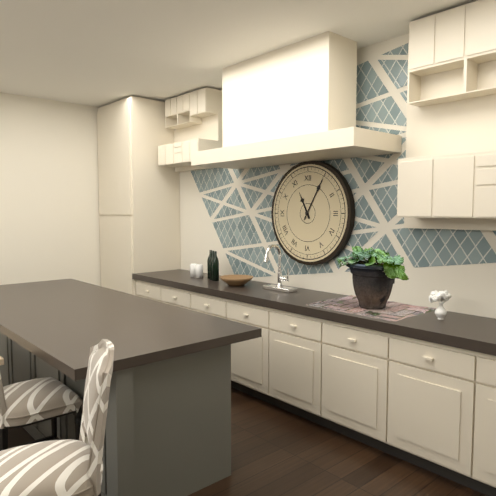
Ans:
h=11 m=5
